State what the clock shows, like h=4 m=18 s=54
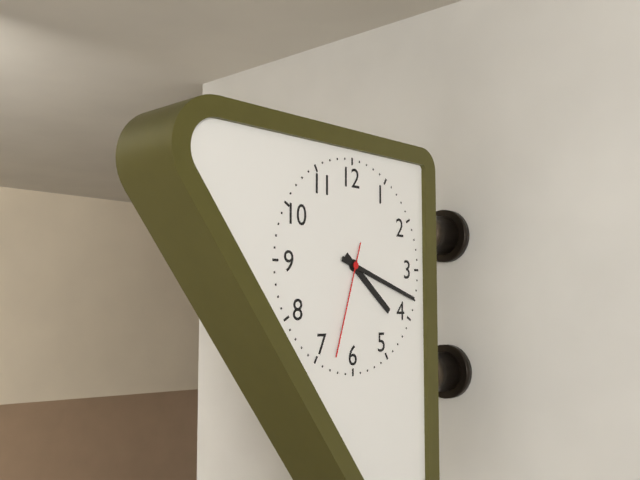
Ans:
h=4 m=18 s=33
